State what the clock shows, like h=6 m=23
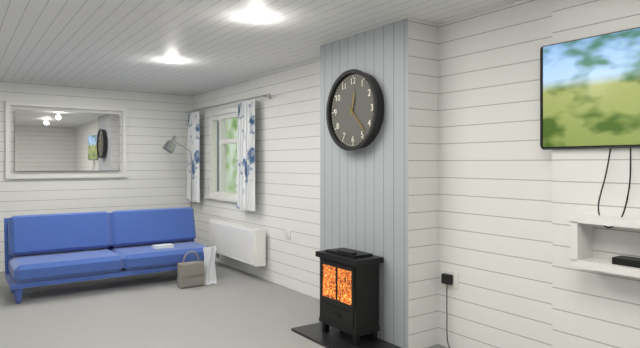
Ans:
h=12 m=23
